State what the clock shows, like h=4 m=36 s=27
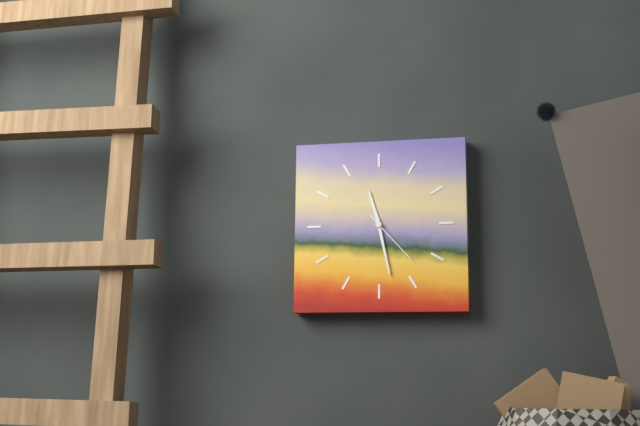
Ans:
h=11 m=28 s=23
